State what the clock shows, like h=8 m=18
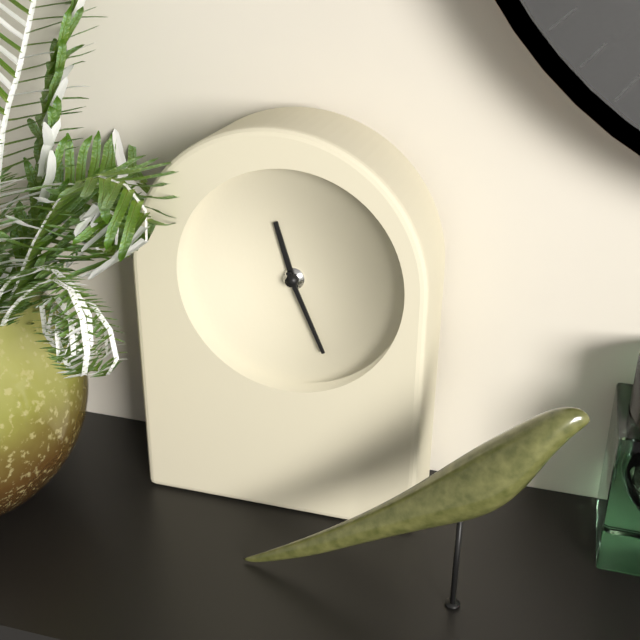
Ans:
h=11 m=26
